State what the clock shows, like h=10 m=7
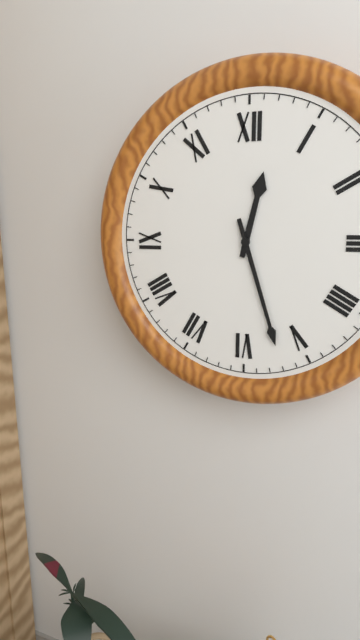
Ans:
h=12 m=27
